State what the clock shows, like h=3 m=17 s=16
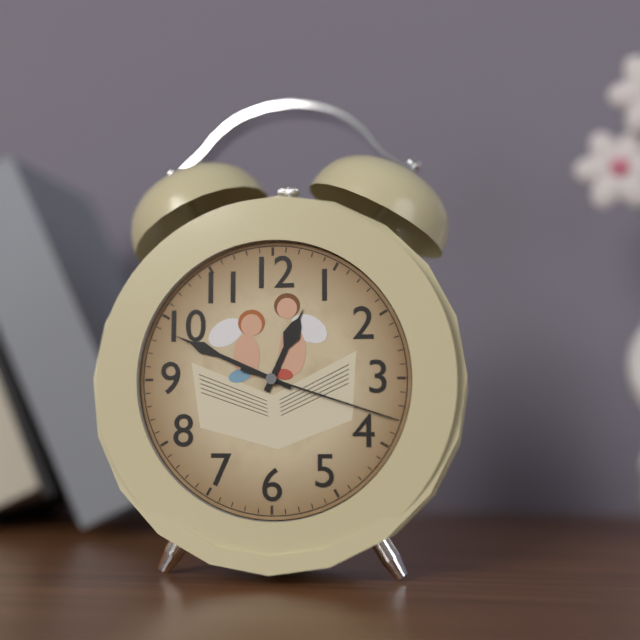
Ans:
h=12 m=49 s=18
